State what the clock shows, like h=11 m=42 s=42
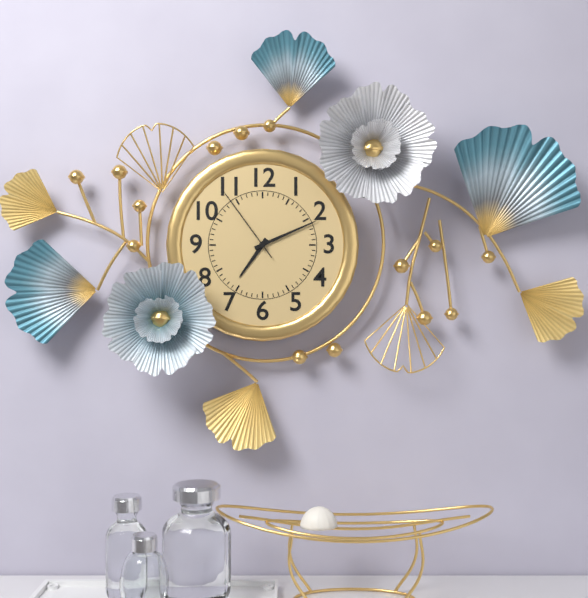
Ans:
h=7 m=11 s=54
